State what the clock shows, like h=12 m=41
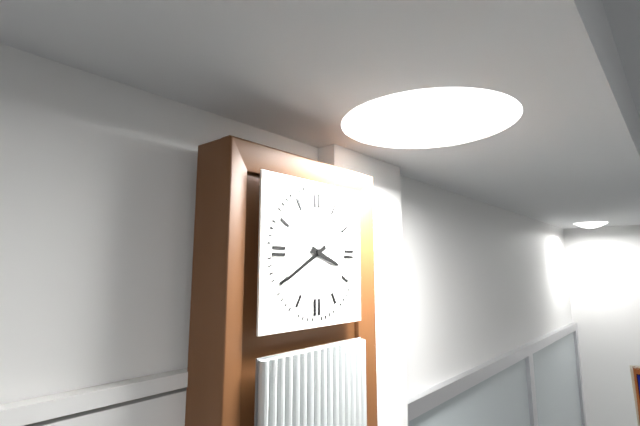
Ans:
h=3 m=40
